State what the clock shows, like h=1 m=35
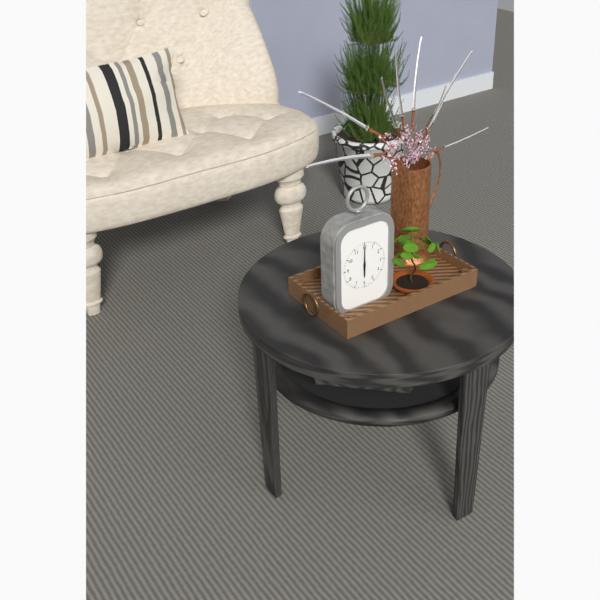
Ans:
h=6 m=0
